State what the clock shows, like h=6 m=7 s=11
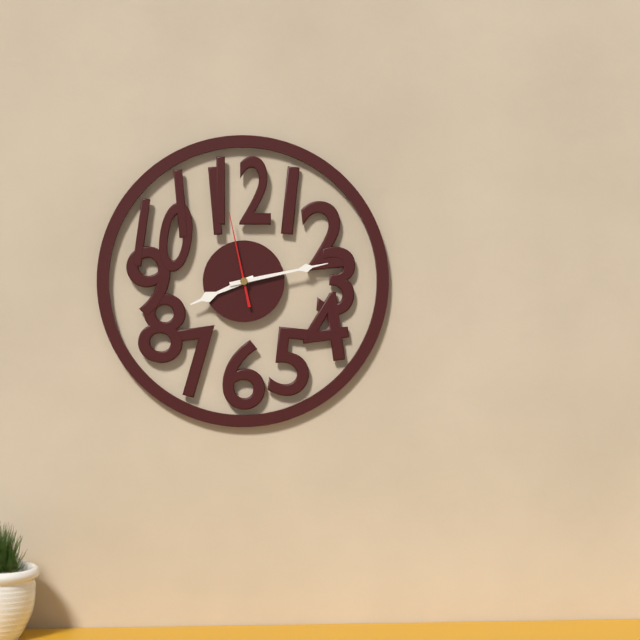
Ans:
h=8 m=13 s=58
